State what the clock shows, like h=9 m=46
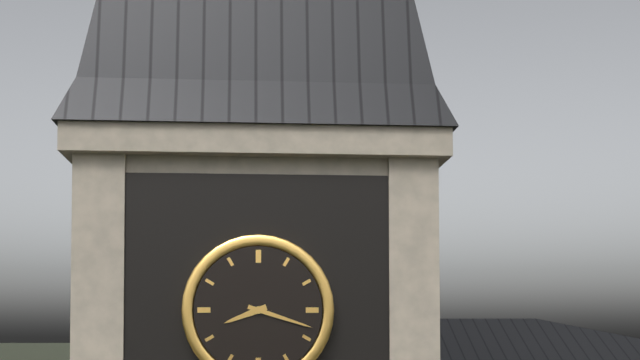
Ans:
h=8 m=18
